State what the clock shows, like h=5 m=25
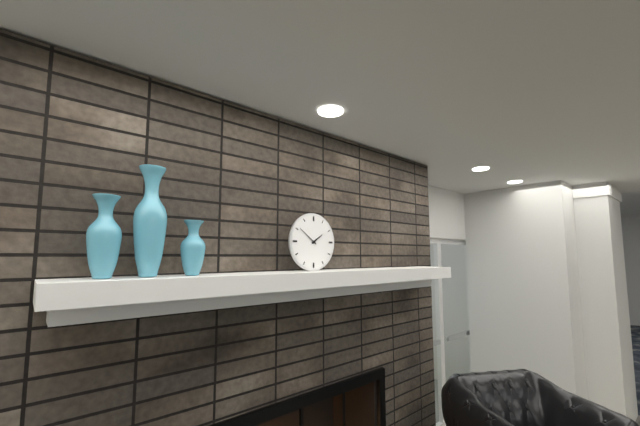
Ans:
h=1 m=51
